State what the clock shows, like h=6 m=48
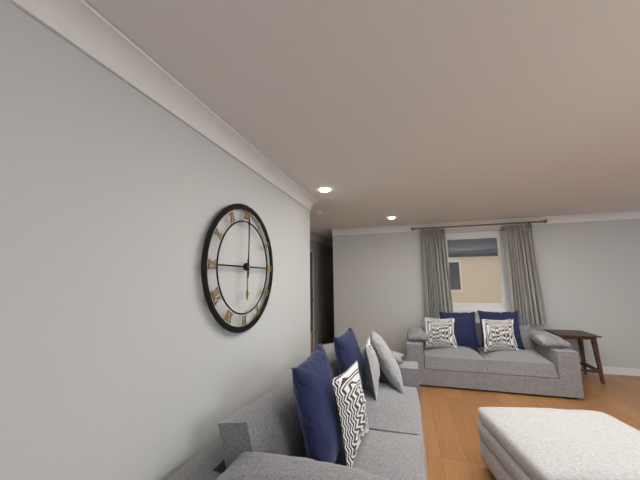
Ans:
h=6 m=0
